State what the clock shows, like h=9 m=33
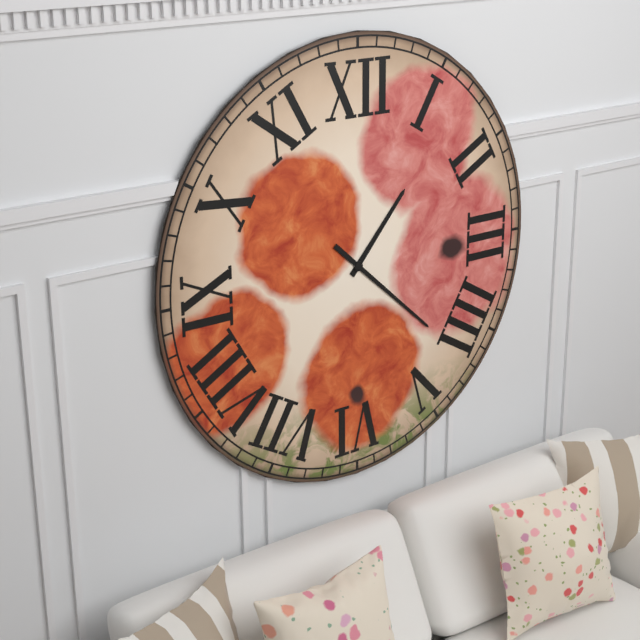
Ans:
h=1 m=22
